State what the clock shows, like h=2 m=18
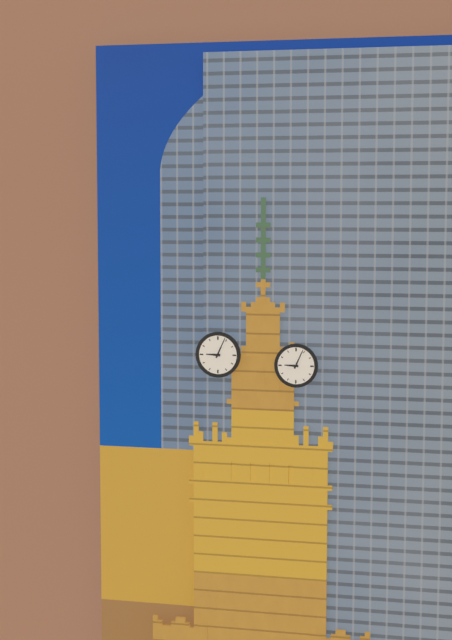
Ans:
h=9 m=4
